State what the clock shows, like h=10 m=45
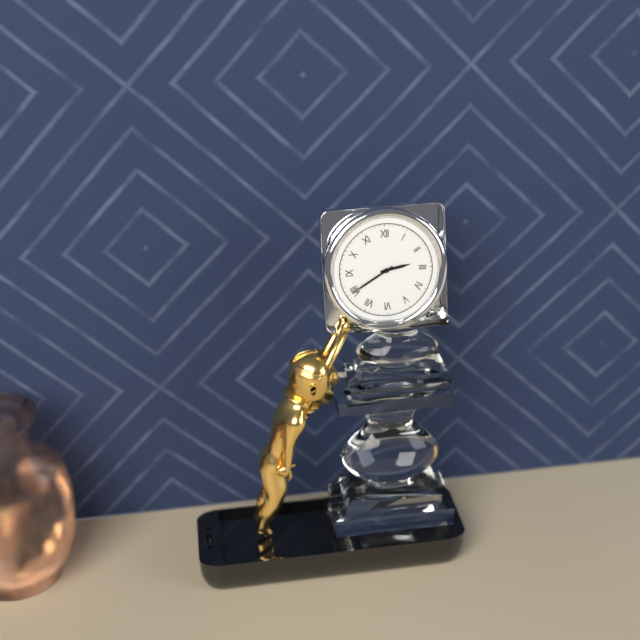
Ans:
h=2 m=40
